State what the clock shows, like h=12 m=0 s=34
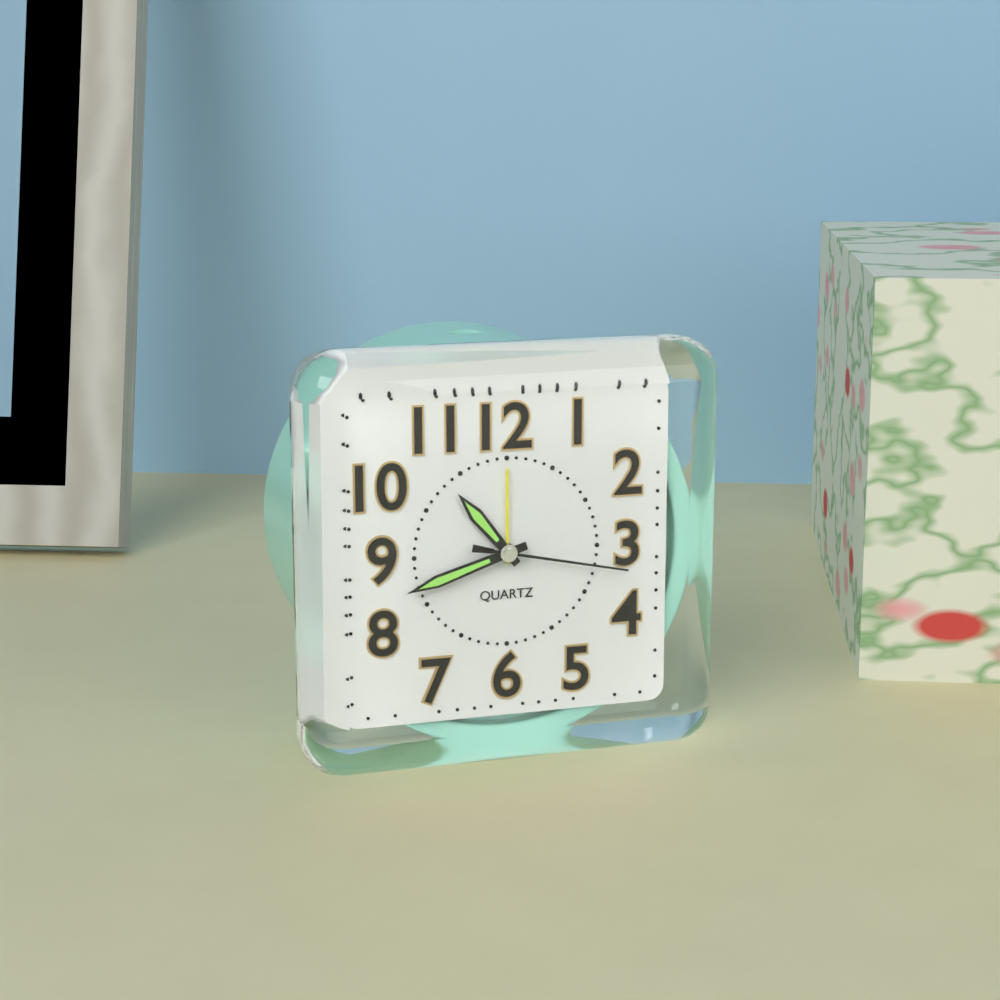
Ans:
h=10 m=42 s=17
